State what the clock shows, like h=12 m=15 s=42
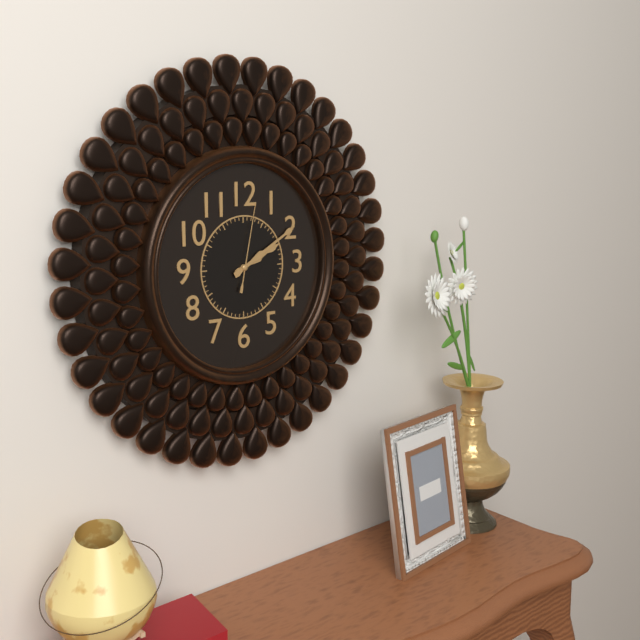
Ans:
h=2 m=10 s=2
